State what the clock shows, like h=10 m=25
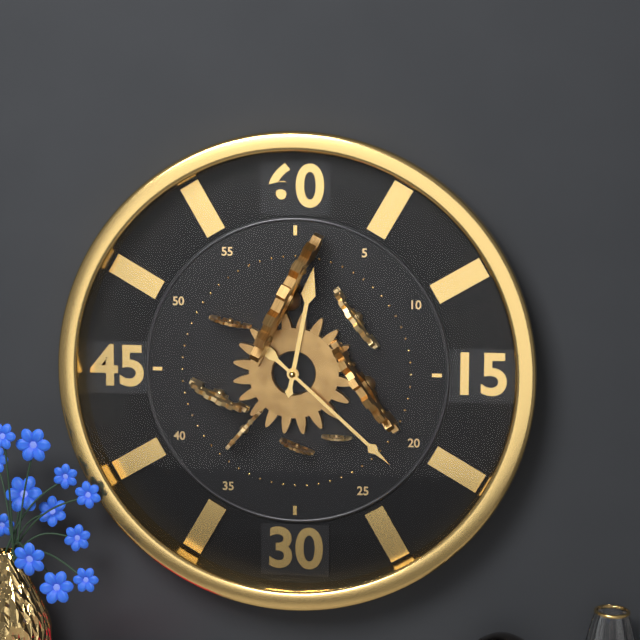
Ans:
h=12 m=22
